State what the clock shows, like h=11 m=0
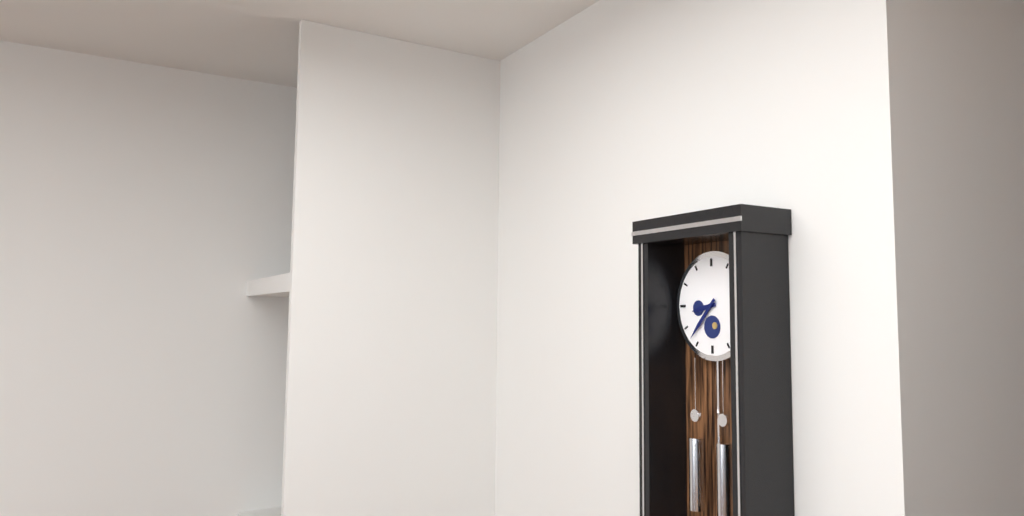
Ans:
h=8 m=37
